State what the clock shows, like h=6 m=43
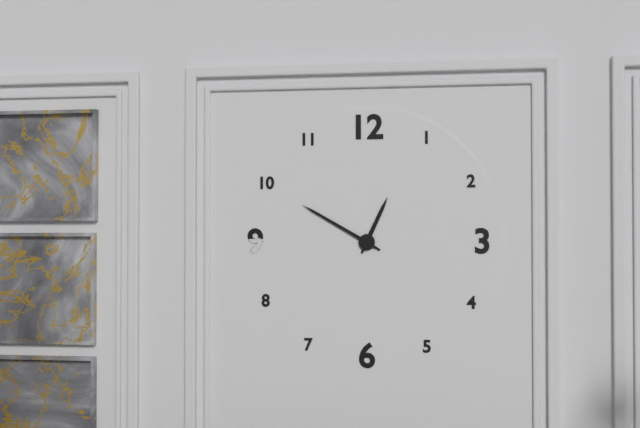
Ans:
h=12 m=50
